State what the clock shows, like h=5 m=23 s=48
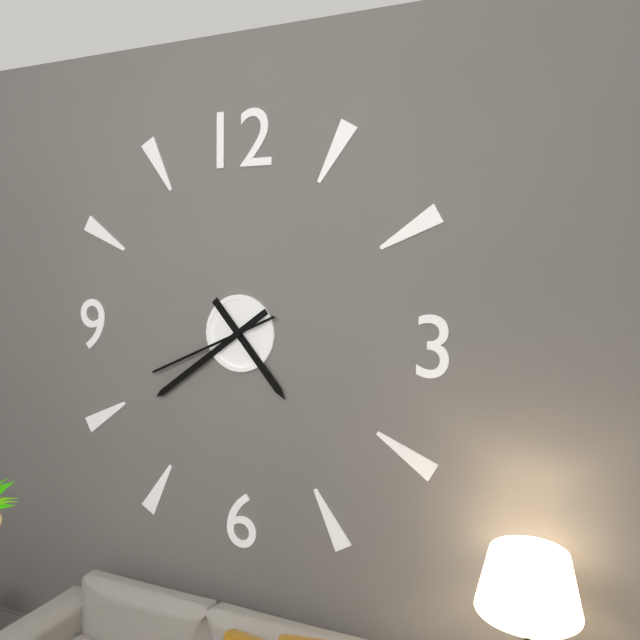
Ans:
h=4 m=39 s=41
